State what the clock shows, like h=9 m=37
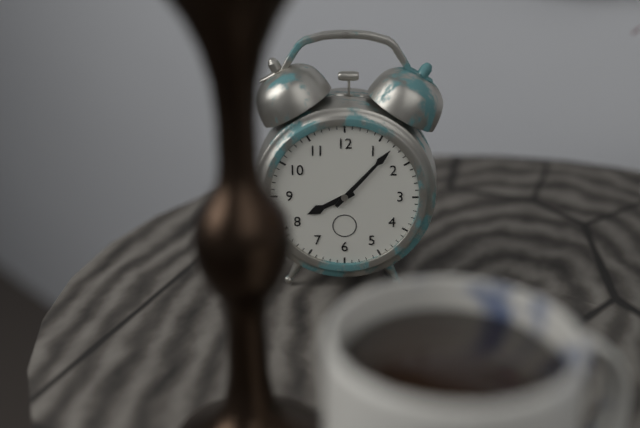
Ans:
h=8 m=7
